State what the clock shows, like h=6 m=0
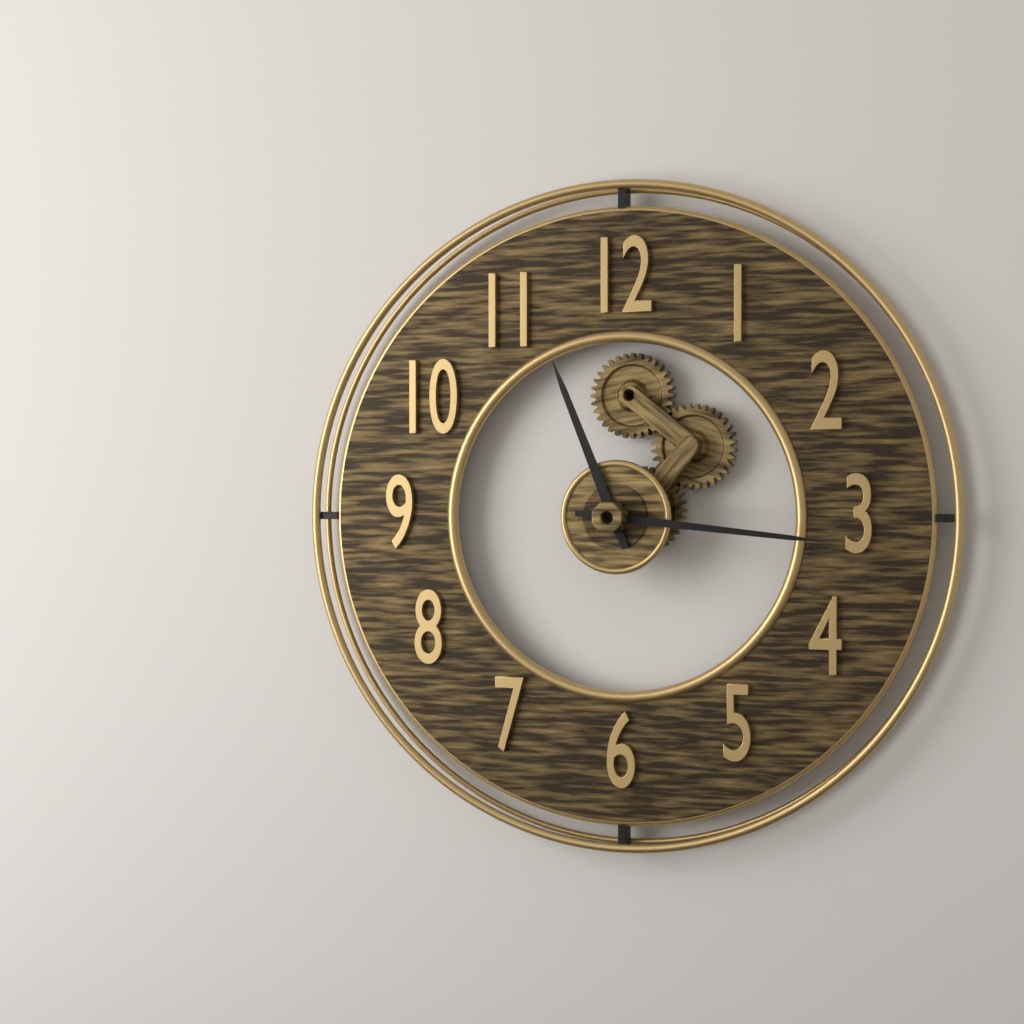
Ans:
h=11 m=16
